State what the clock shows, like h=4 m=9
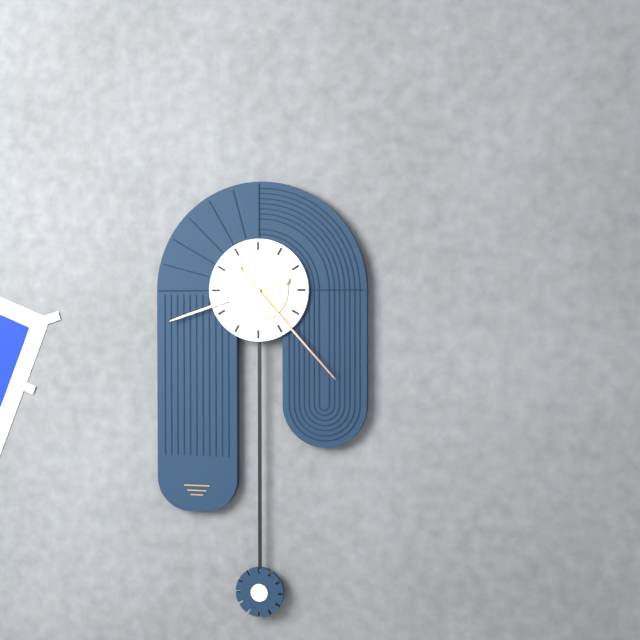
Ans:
h=8 m=23
